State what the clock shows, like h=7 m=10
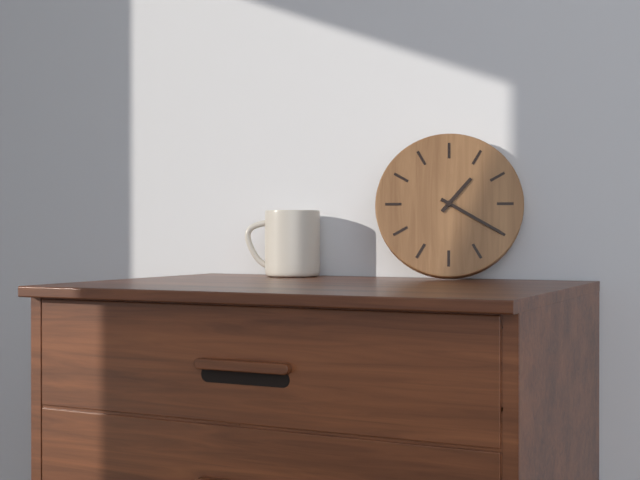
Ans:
h=1 m=20
